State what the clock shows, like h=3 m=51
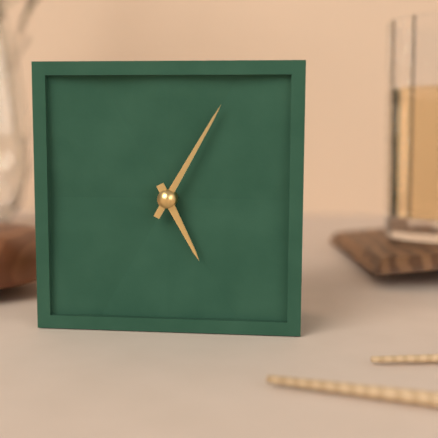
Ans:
h=5 m=5
